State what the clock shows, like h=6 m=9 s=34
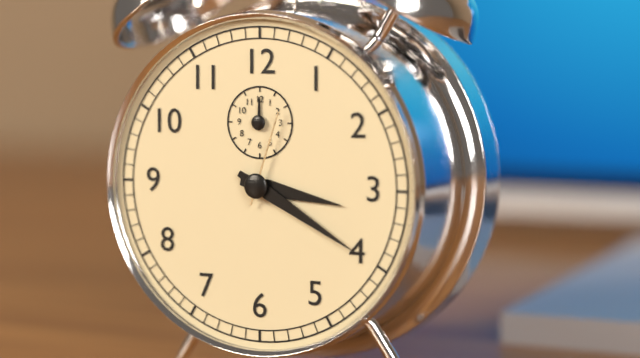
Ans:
h=3 m=20 s=3
